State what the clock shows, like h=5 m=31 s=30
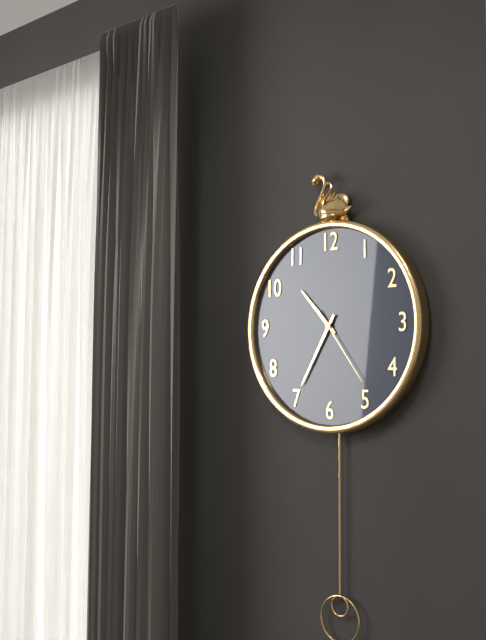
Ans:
h=10 m=35 s=24
